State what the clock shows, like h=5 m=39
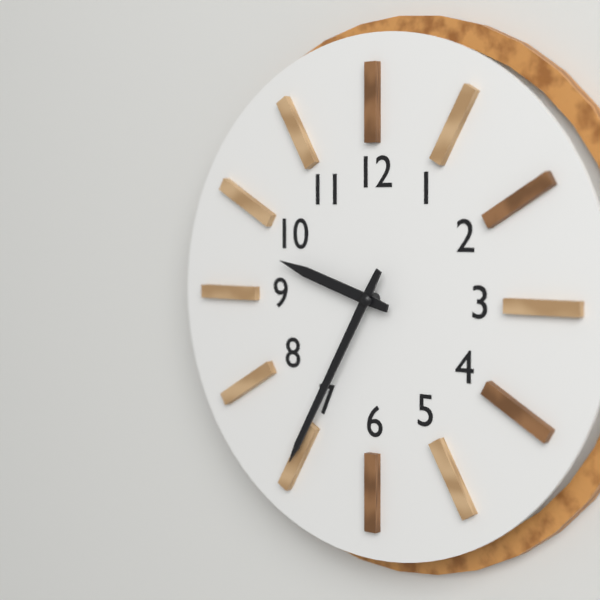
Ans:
h=9 m=35
